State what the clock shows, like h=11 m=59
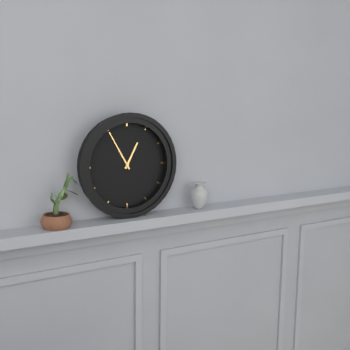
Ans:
h=12 m=55
